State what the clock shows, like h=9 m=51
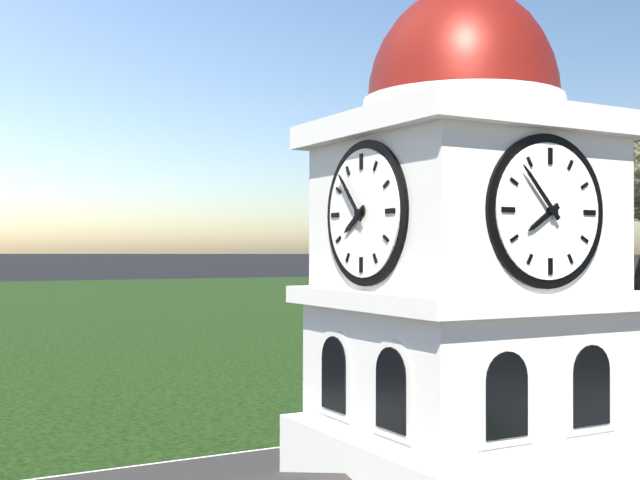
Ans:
h=7 m=53
